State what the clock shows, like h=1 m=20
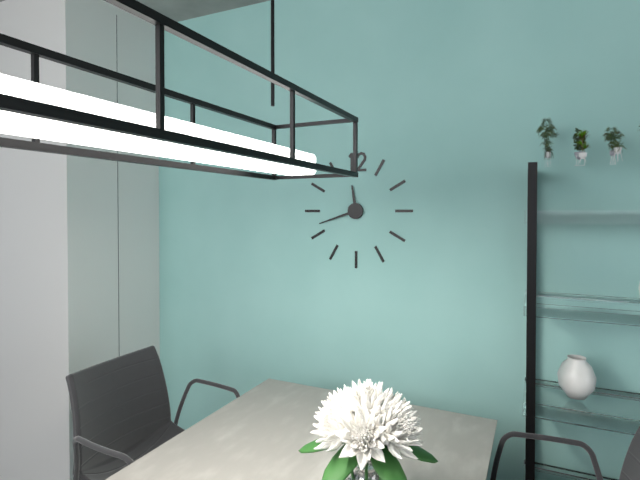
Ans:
h=11 m=42
